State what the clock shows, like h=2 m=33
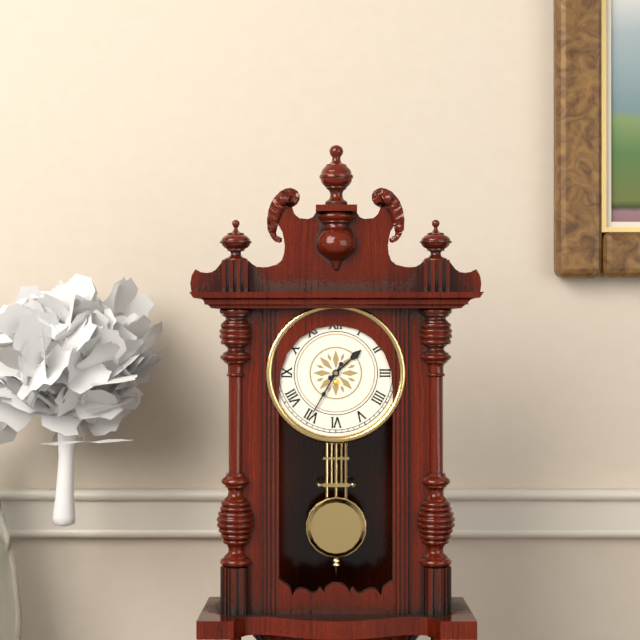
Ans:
h=1 m=35
